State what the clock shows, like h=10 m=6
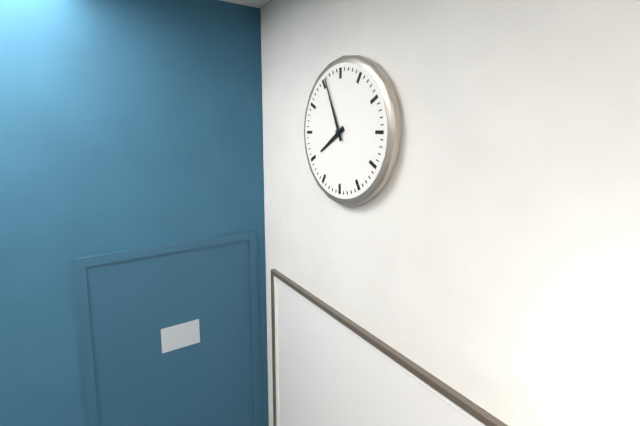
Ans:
h=7 m=56
